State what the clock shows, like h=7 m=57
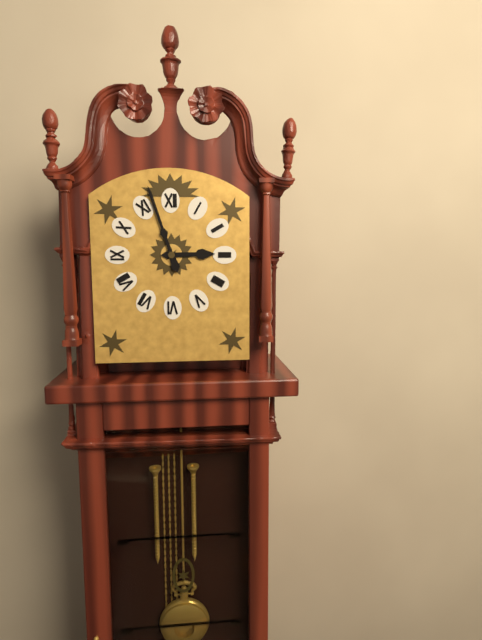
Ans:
h=2 m=57
